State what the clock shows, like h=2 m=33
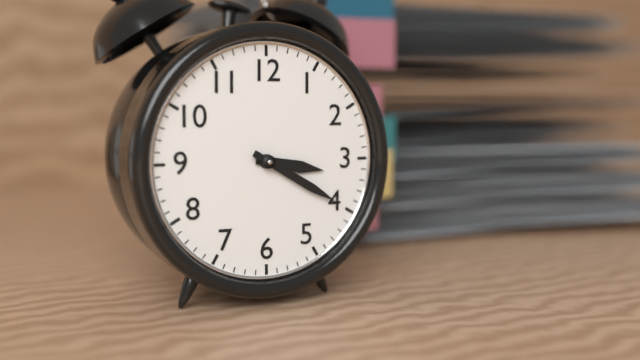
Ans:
h=3 m=20
